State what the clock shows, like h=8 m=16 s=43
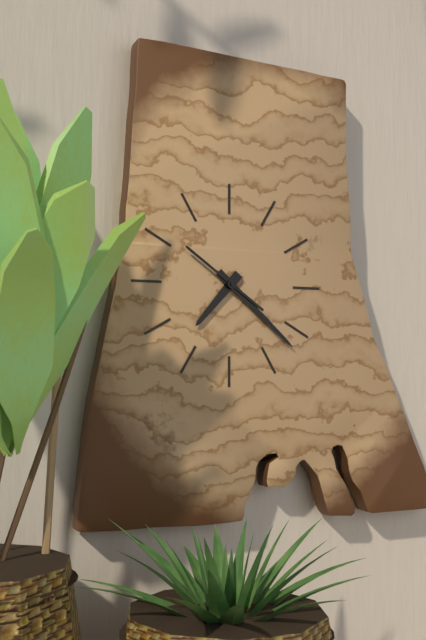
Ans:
h=7 m=22 s=51
